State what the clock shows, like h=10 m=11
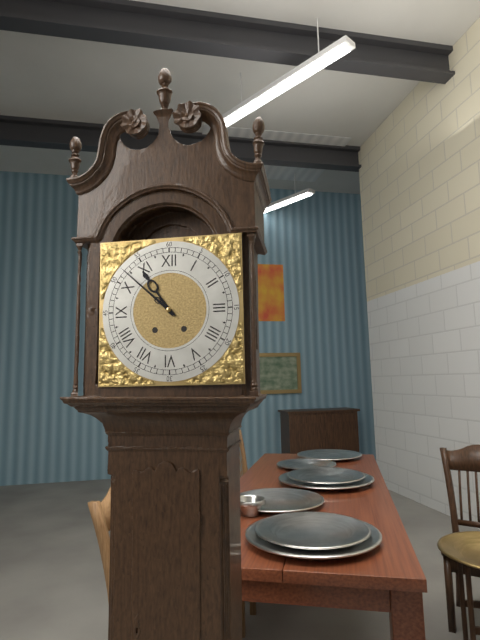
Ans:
h=10 m=52
